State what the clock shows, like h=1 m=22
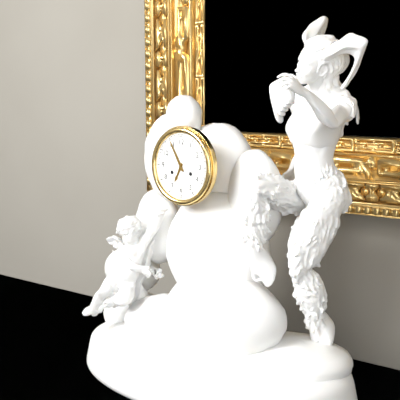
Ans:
h=6 m=55
